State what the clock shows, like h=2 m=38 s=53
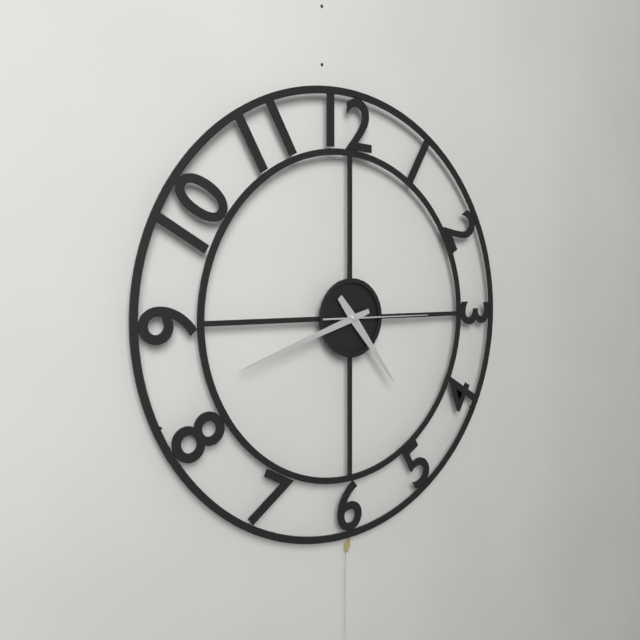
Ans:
h=4 m=42 s=15
